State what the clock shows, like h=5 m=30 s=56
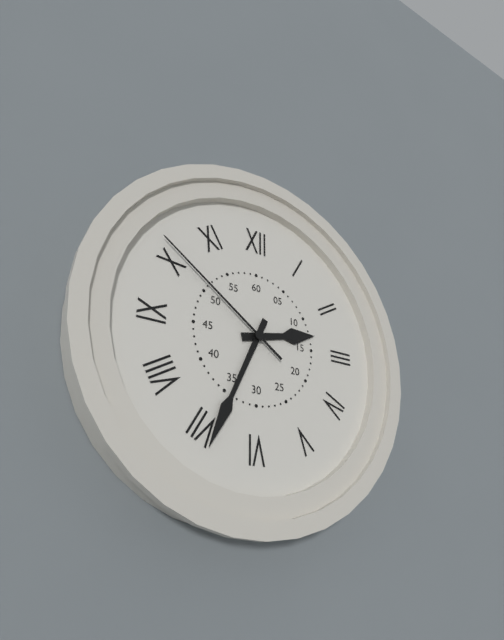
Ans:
h=2 m=34 s=51
